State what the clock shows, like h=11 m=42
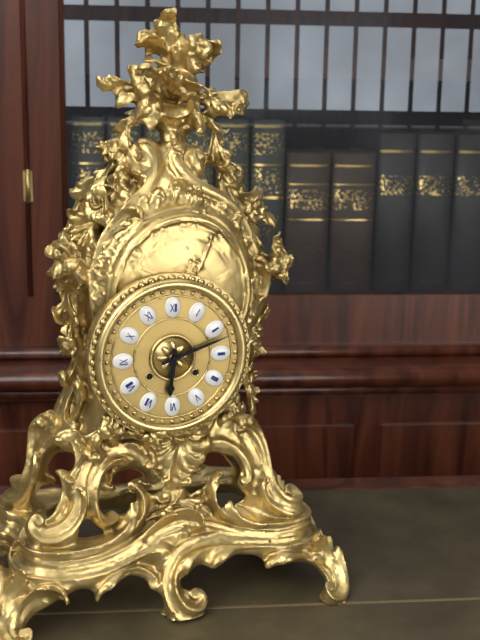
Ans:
h=6 m=12
